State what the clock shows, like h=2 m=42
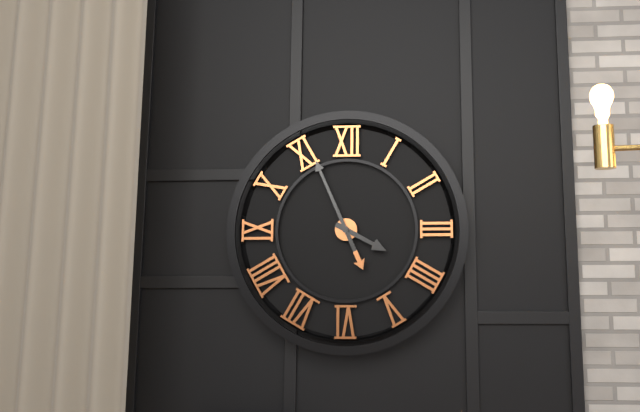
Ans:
h=3 m=56
